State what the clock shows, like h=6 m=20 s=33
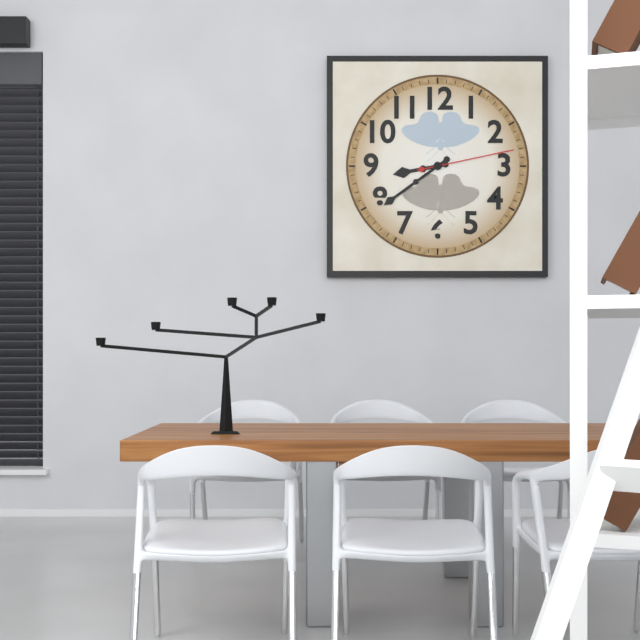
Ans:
h=8 m=39 s=13
